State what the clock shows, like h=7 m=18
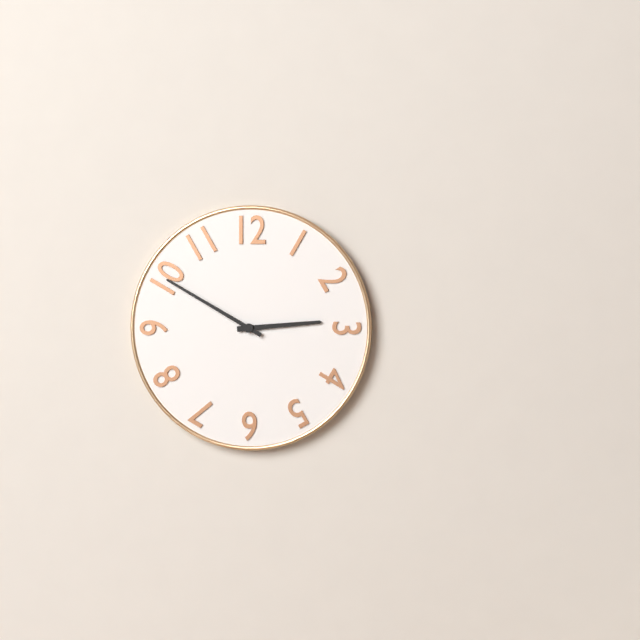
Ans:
h=2 m=50
